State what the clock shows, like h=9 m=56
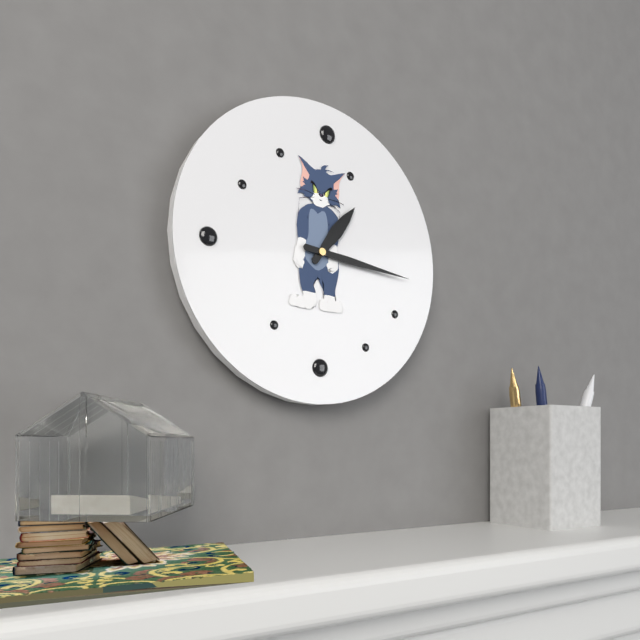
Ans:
h=1 m=16
